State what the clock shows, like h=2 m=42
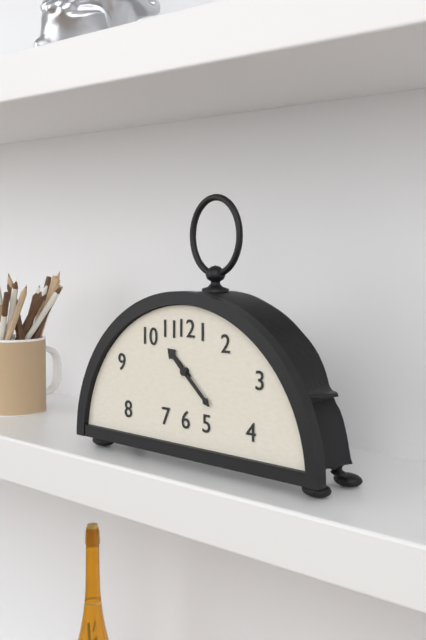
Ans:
h=10 m=22
